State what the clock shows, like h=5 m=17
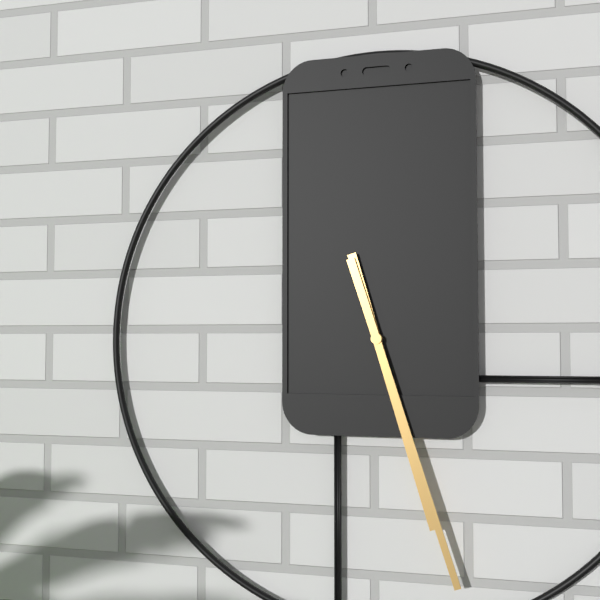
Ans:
h=5 m=27
